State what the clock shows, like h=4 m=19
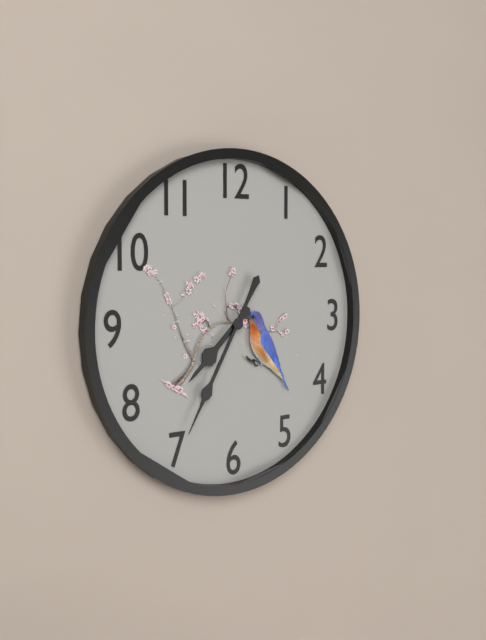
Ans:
h=7 m=35
